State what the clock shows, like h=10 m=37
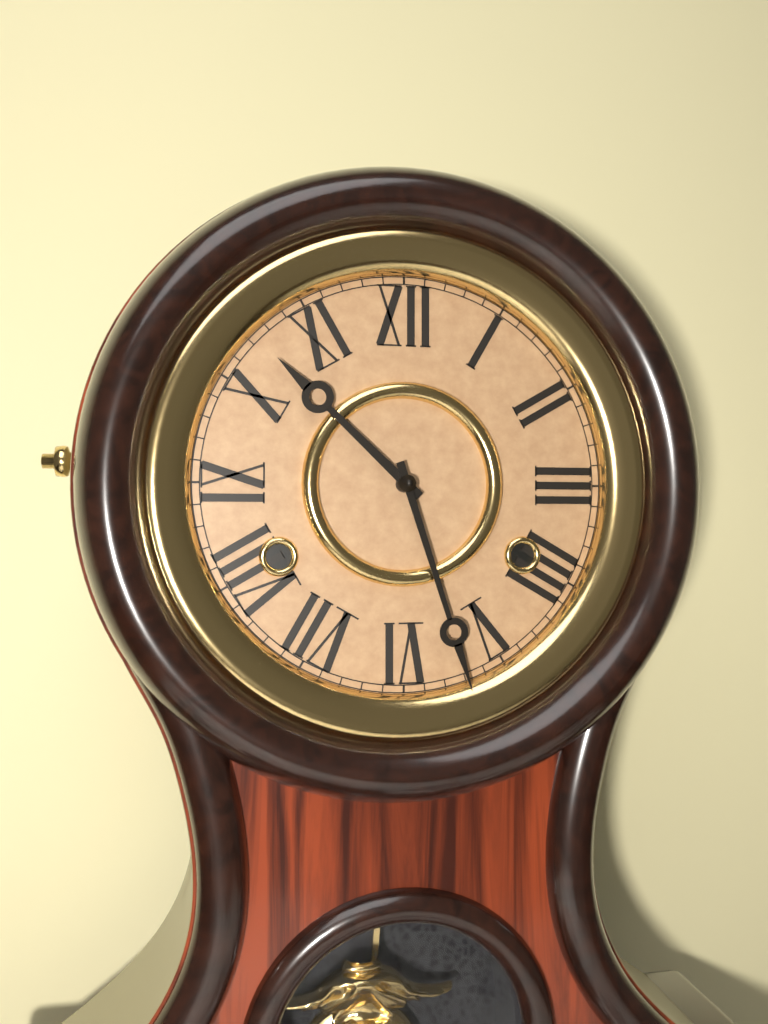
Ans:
h=10 m=27
